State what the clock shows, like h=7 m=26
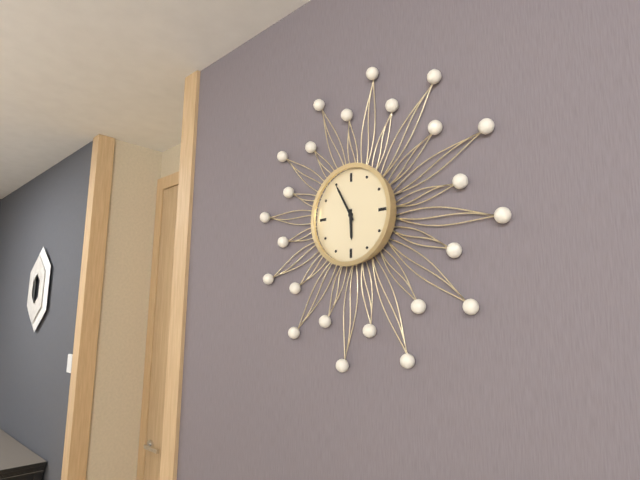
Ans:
h=5 m=55
